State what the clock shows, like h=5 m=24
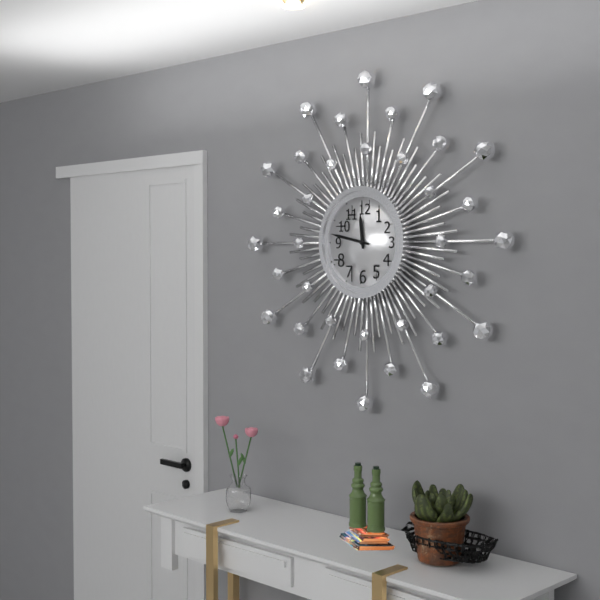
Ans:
h=11 m=47
